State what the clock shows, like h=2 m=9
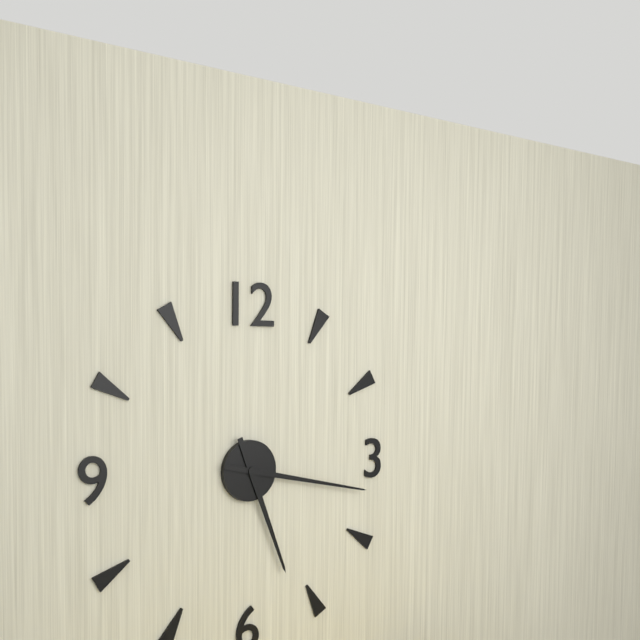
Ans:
h=5 m=17
